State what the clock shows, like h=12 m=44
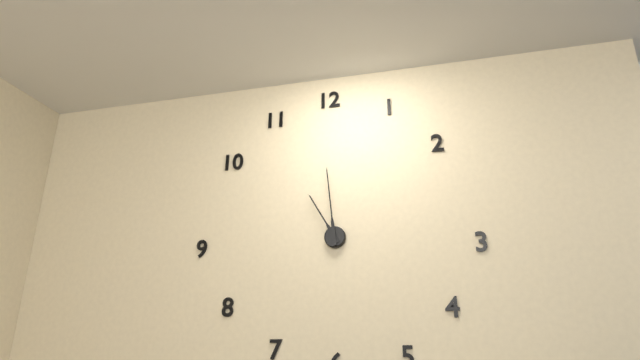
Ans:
h=10 m=59
